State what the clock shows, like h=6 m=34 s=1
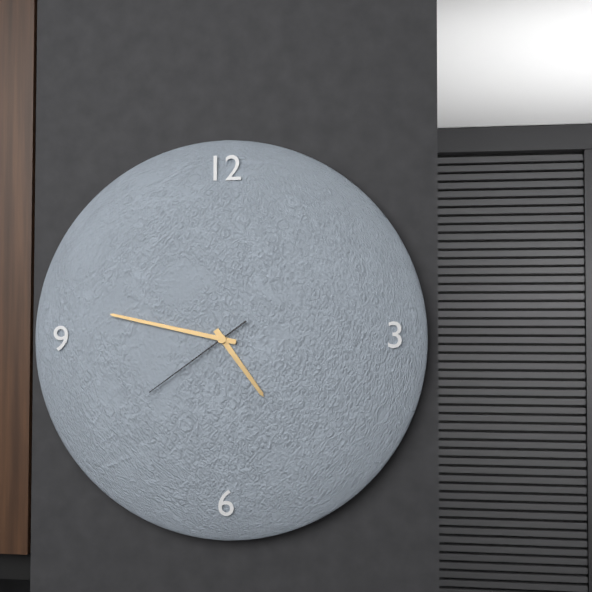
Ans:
h=4 m=47 s=39
